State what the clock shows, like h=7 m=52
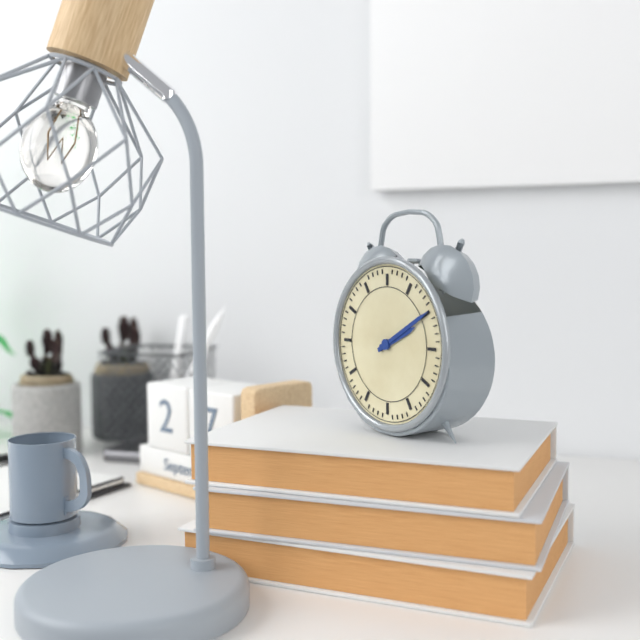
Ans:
h=2 m=10
